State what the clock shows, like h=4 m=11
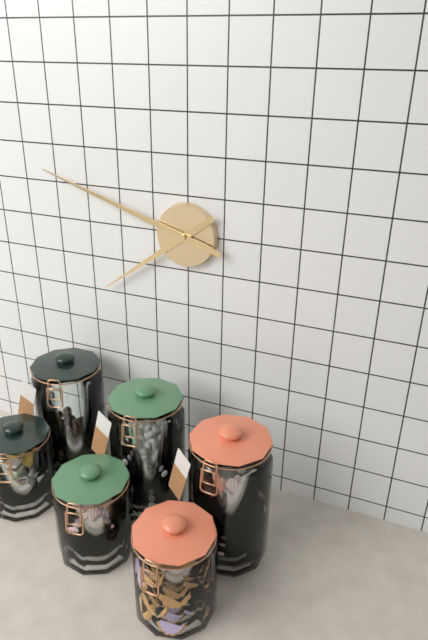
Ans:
h=7 m=48
